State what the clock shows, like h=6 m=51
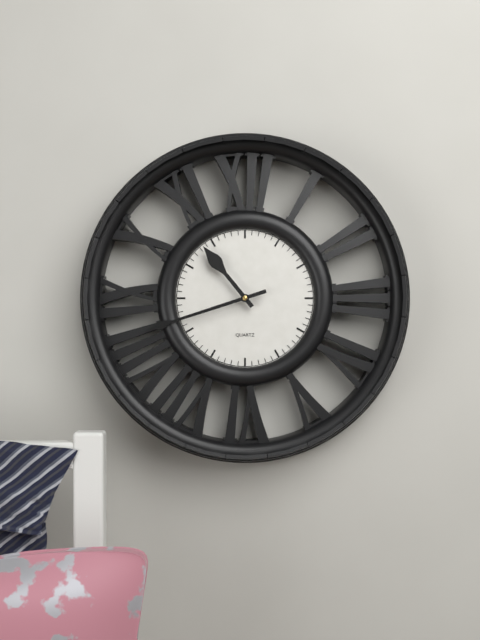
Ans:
h=10 m=42
